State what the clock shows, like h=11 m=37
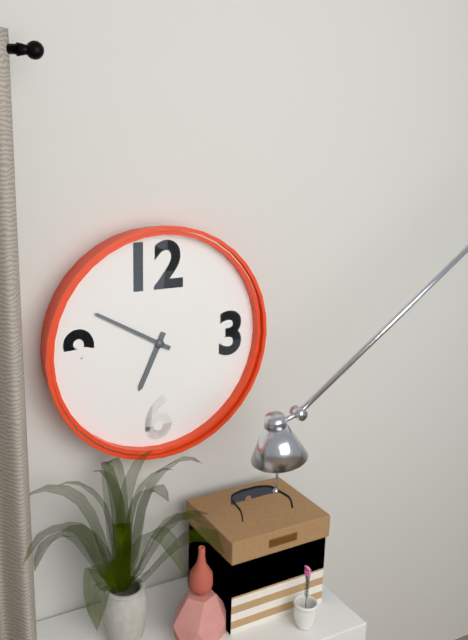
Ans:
h=6 m=50
